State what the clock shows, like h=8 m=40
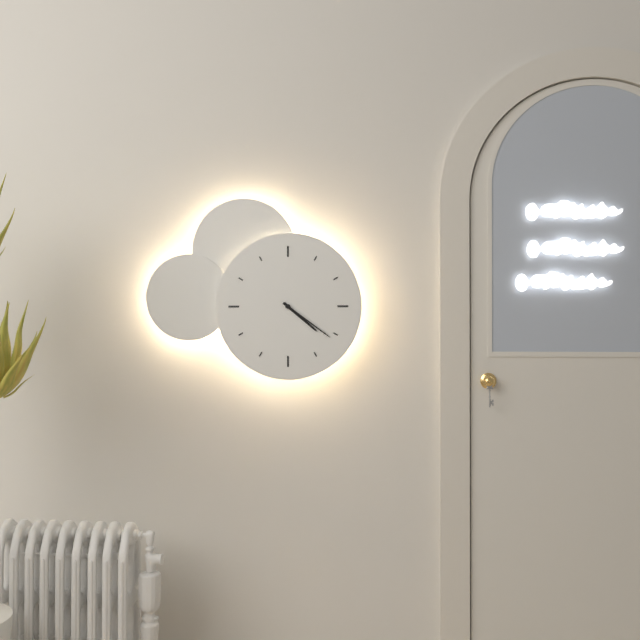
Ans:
h=4 m=21
